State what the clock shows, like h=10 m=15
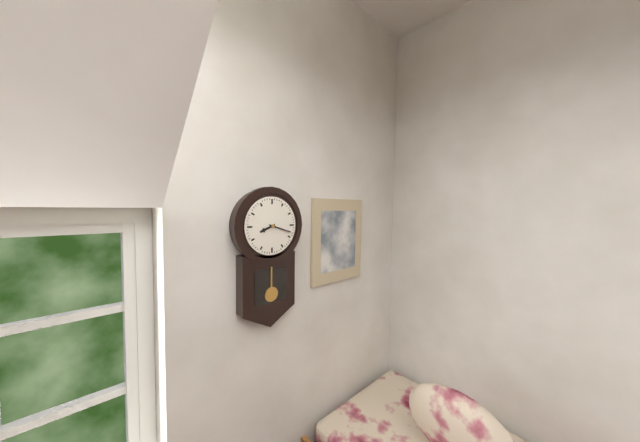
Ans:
h=8 m=18
